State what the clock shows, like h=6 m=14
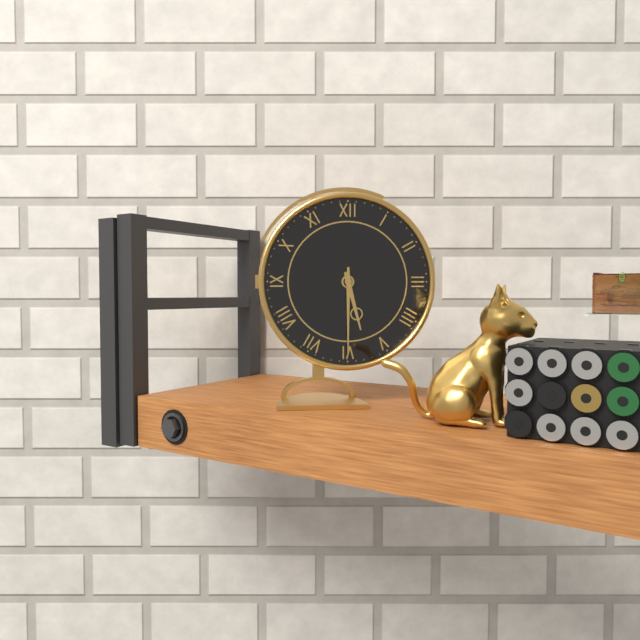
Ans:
h=5 m=30
